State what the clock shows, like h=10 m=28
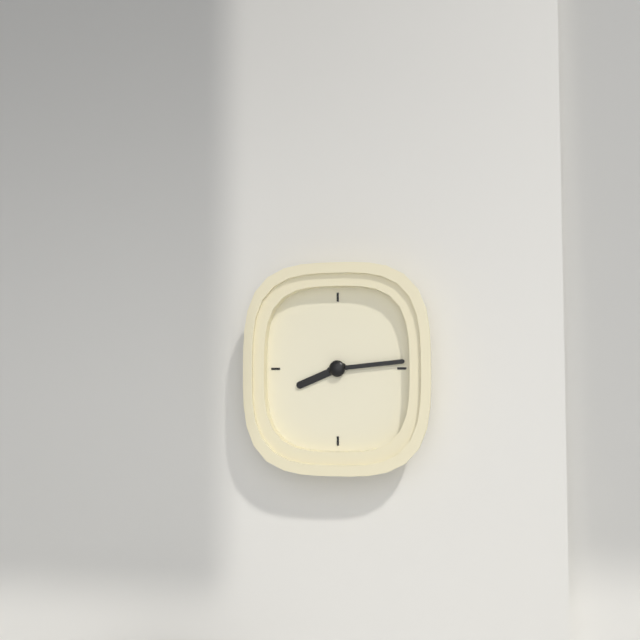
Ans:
h=8 m=14
